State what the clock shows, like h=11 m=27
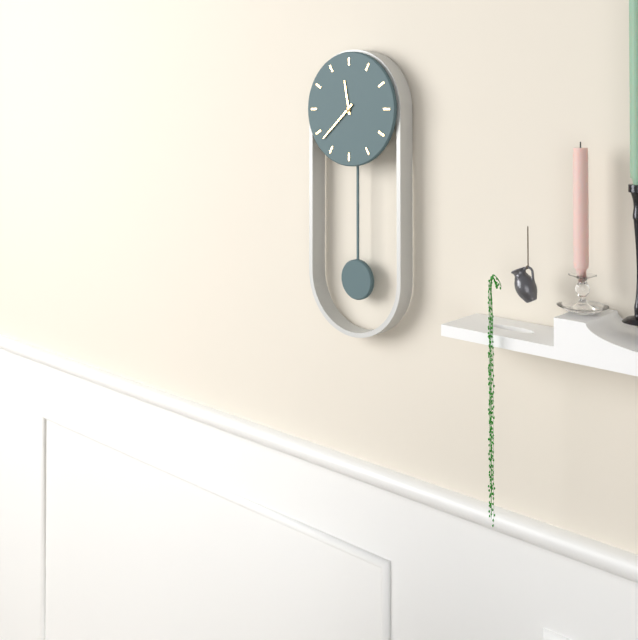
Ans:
h=11 m=38
